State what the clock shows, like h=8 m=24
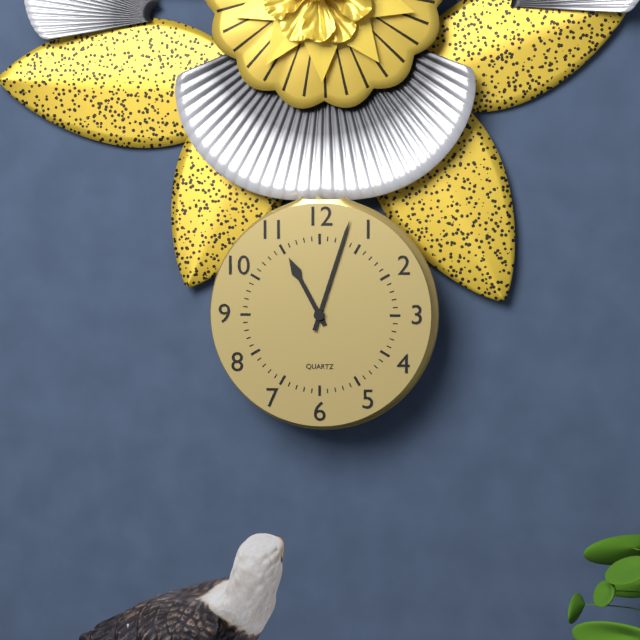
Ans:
h=11 m=3
